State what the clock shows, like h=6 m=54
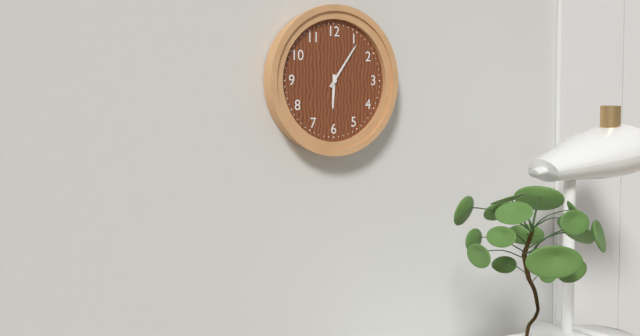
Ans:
h=6 m=6
